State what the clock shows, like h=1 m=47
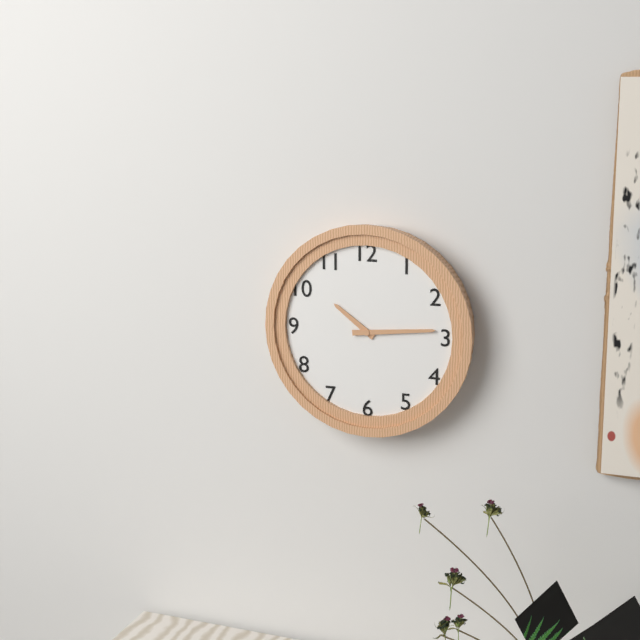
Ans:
h=10 m=14
